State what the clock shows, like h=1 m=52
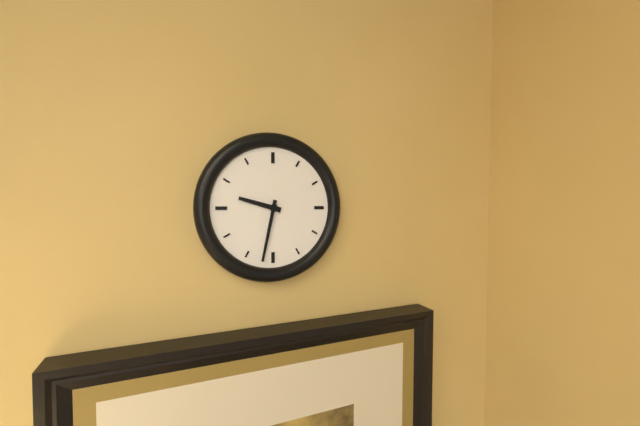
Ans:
h=9 m=32
